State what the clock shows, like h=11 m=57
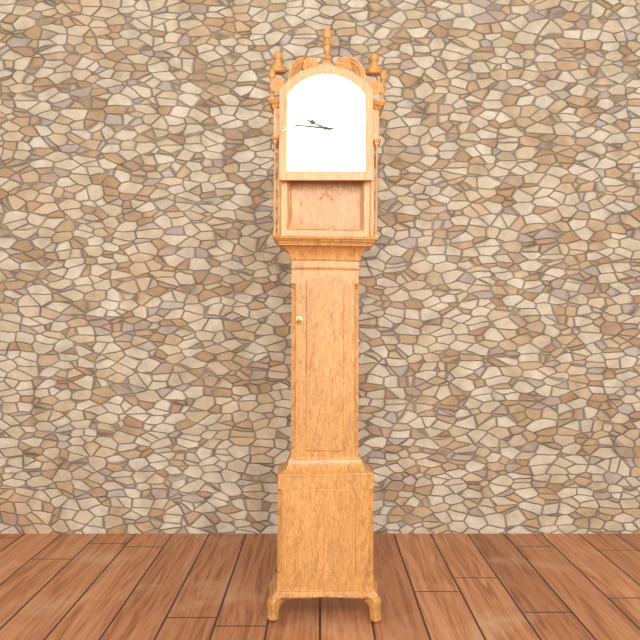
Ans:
h=9 m=46
